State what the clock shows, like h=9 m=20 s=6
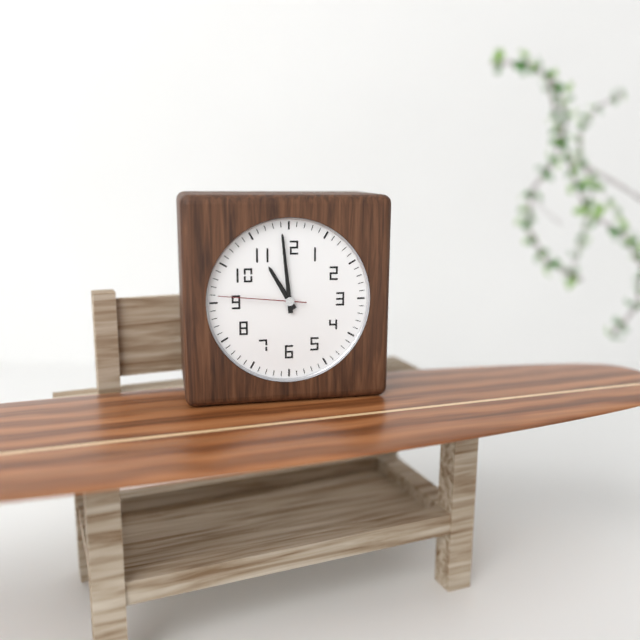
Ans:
h=10 m=59 s=46
